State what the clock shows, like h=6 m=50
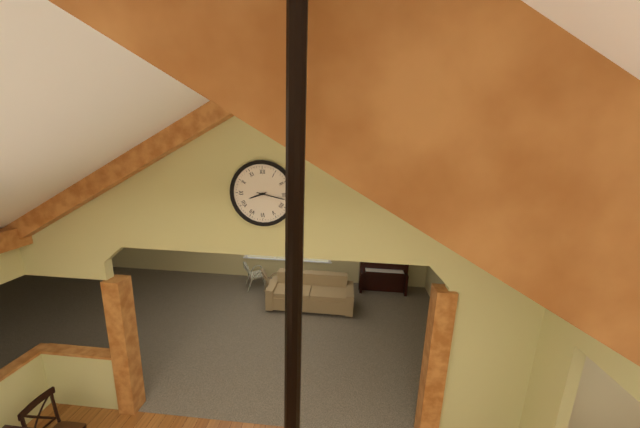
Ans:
h=8 m=17
